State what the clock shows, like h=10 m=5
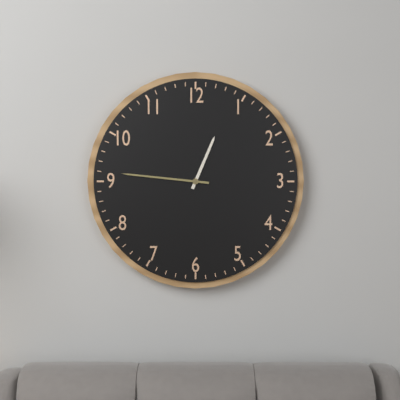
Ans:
h=12 m=46
